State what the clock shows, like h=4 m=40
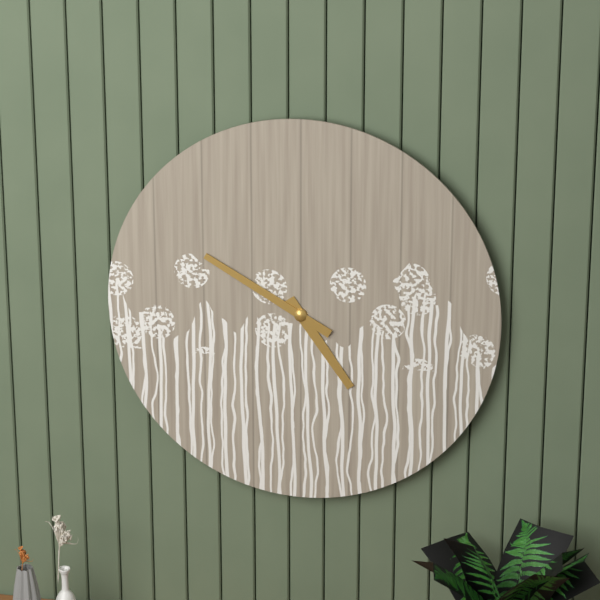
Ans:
h=4 m=50
